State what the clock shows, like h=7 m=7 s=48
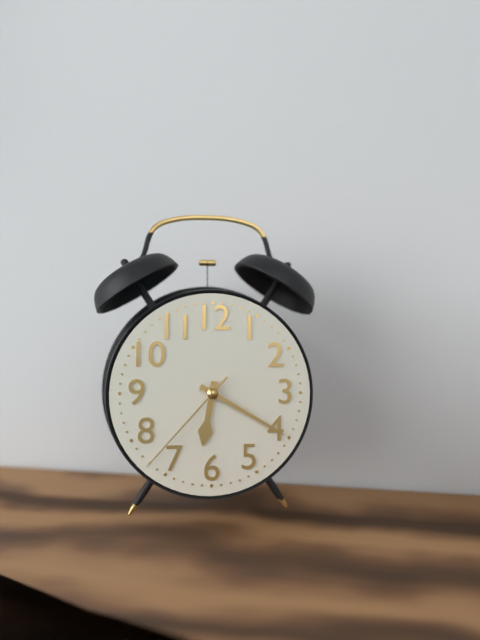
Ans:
h=6 m=20 s=37
